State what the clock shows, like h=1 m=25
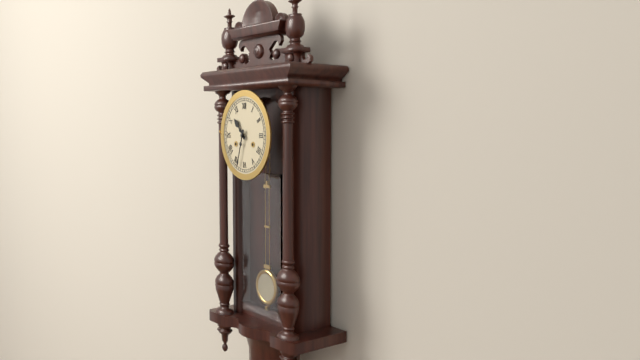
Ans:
h=10 m=33
